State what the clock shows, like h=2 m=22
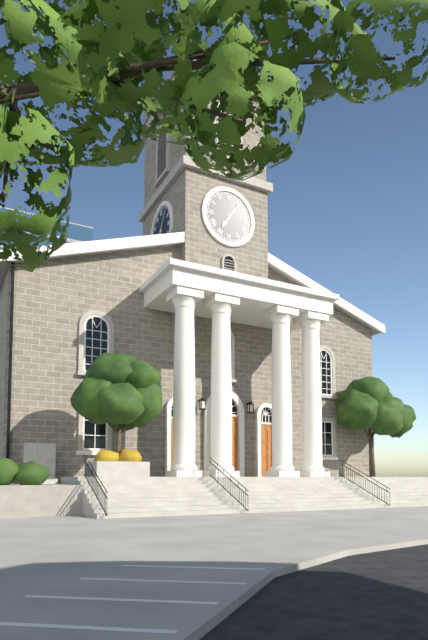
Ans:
h=7 m=6
